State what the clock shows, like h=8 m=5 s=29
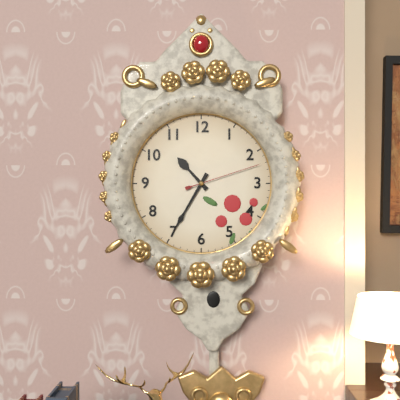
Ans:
h=10 m=35 s=12
